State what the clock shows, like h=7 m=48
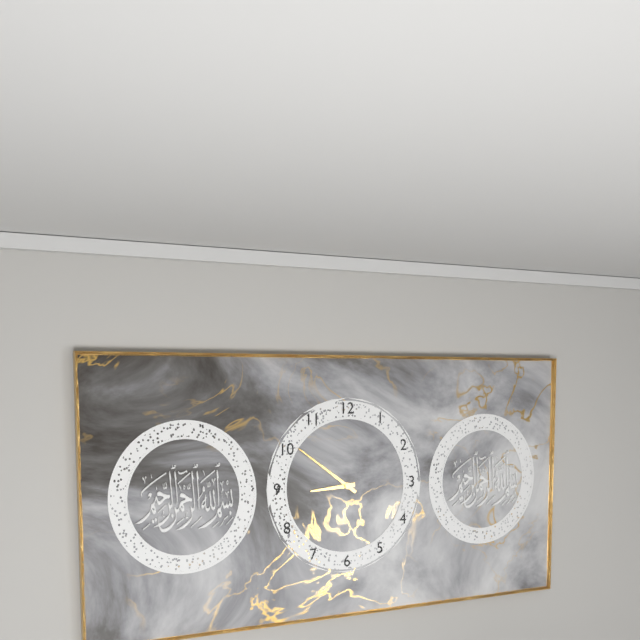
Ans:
h=8 m=51
